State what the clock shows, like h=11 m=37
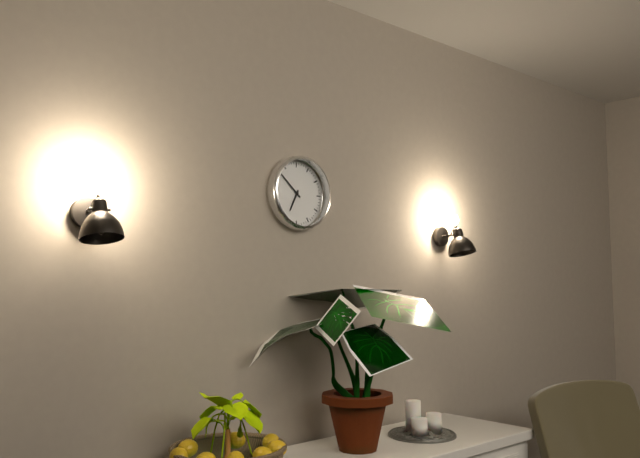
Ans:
h=6 m=52
